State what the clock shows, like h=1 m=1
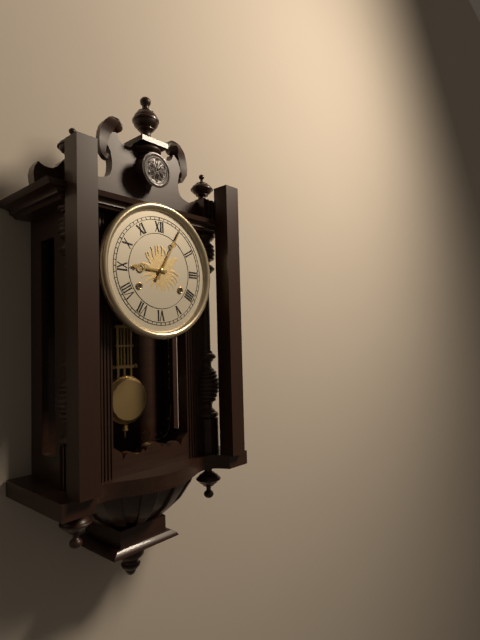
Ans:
h=9 m=5
